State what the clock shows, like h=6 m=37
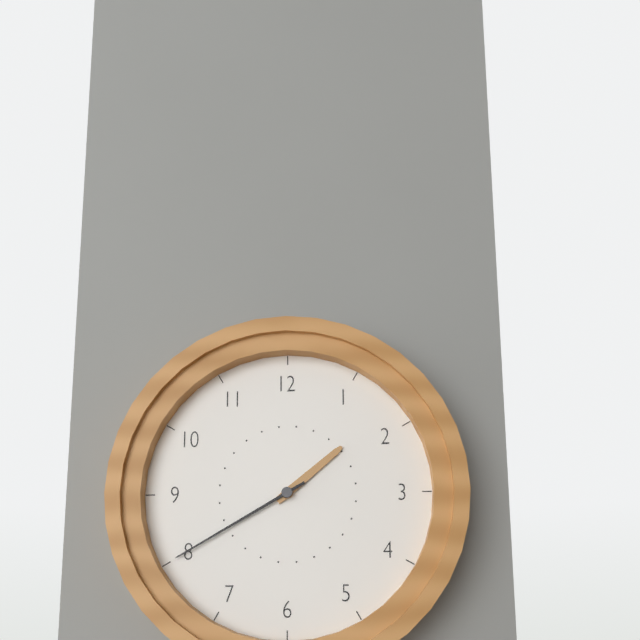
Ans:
h=1 m=40
